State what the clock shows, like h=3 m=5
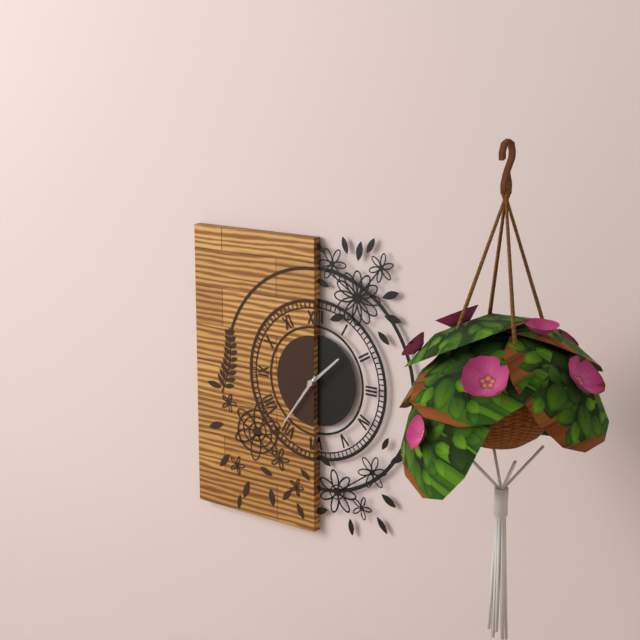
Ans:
h=1 m=36
